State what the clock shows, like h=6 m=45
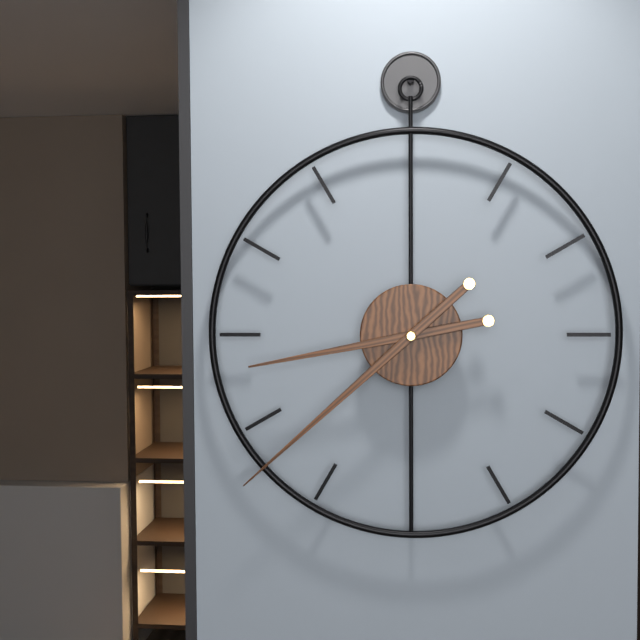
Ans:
h=8 m=38
